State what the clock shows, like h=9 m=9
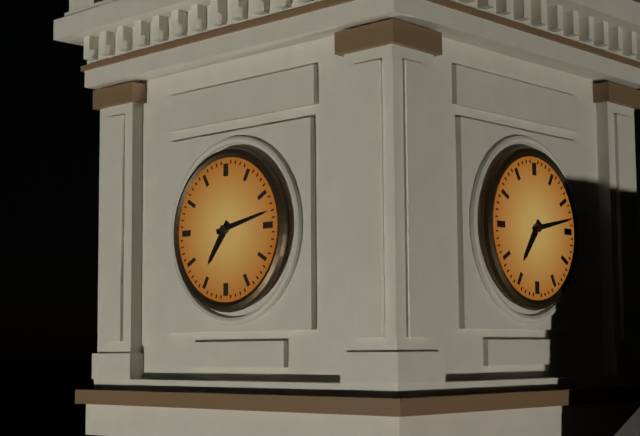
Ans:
h=7 m=13
